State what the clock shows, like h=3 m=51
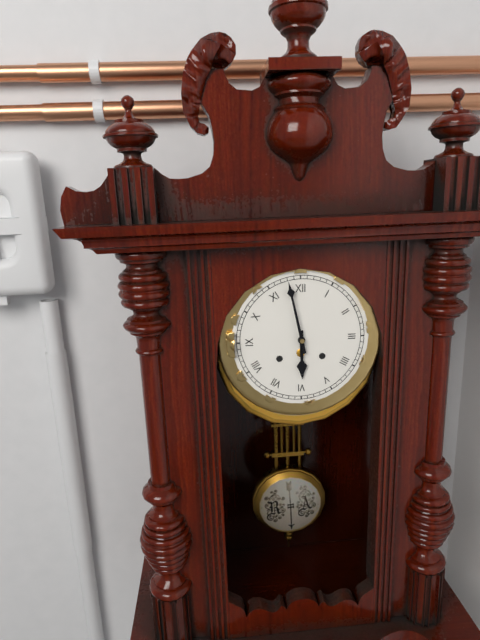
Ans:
h=5 m=58
